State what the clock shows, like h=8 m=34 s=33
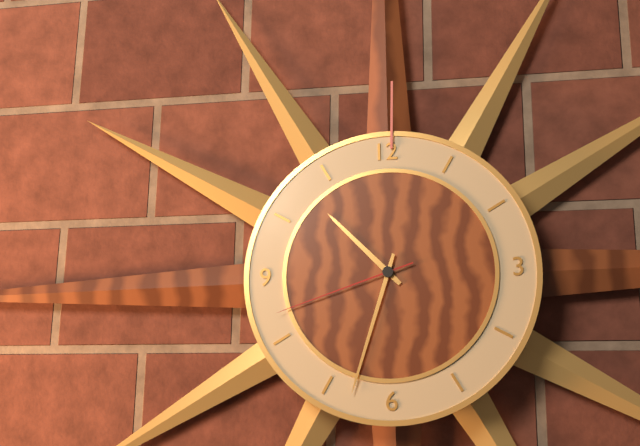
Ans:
h=10 m=33 s=42
